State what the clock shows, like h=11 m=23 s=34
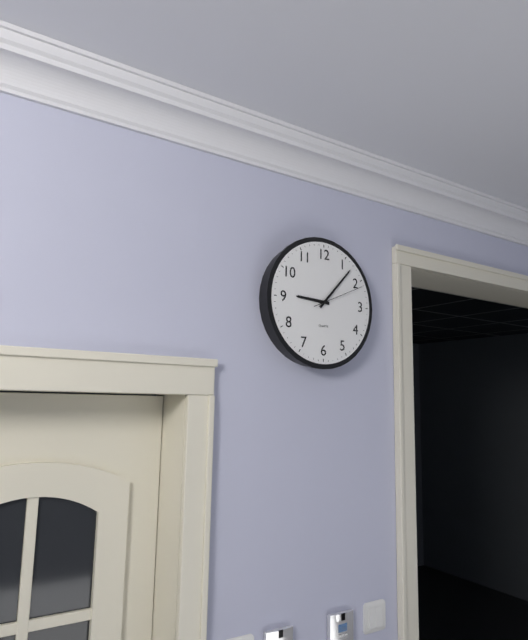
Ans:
h=9 m=7 s=11
